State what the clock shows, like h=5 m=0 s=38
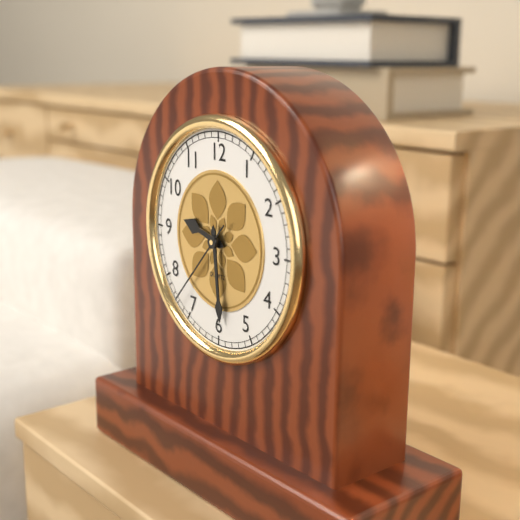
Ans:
h=9 m=29 s=37
